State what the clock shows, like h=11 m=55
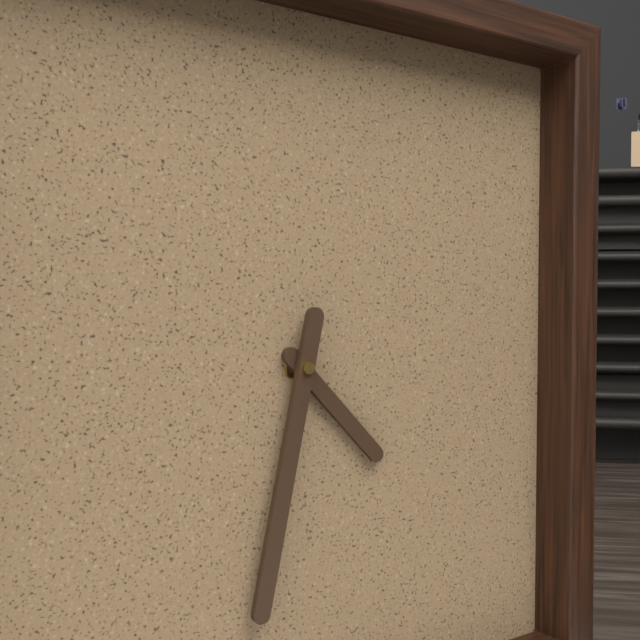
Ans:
h=4 m=32
